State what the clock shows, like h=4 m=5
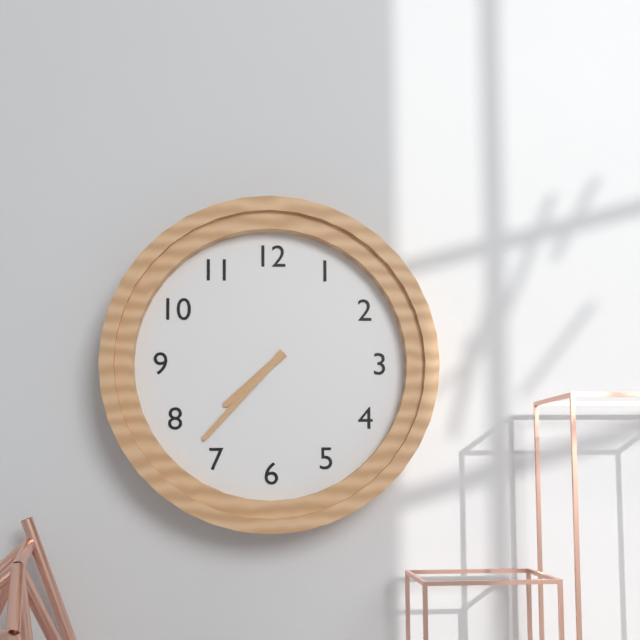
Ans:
h=7 m=37
